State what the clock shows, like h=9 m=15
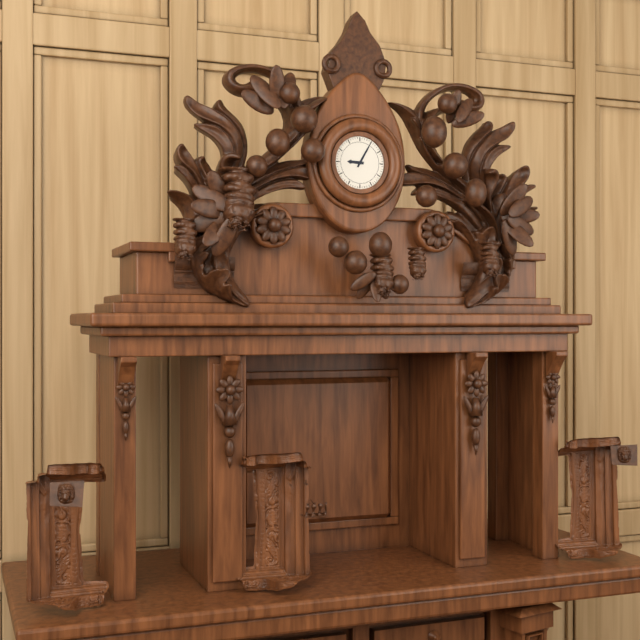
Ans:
h=9 m=5
